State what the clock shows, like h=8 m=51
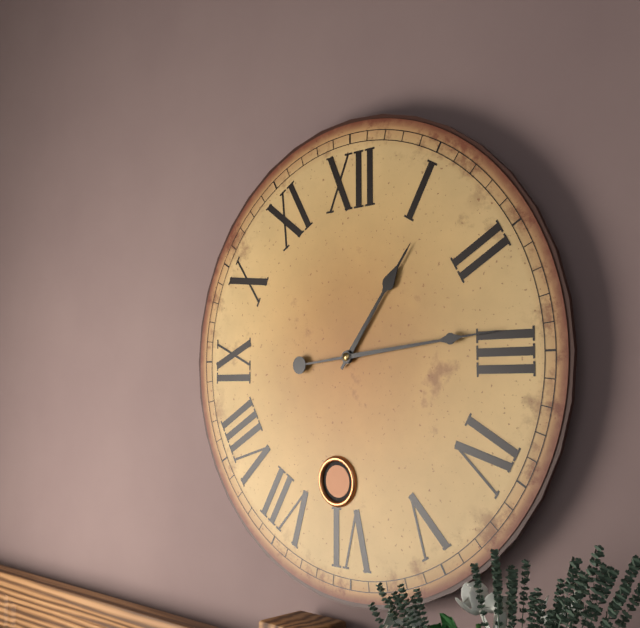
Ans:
h=1 m=14
